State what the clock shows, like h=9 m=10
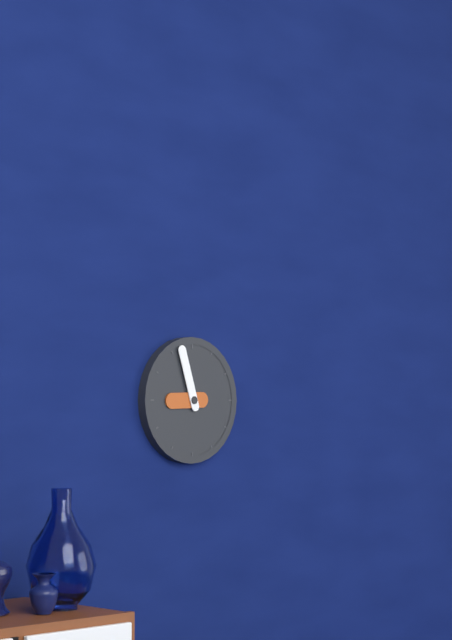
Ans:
h=8 m=57
